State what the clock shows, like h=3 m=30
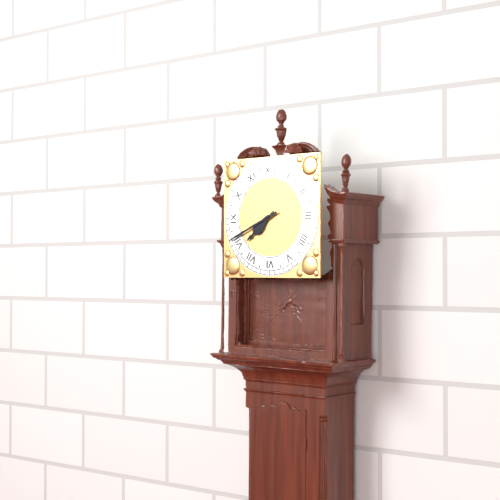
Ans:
h=7 m=41
